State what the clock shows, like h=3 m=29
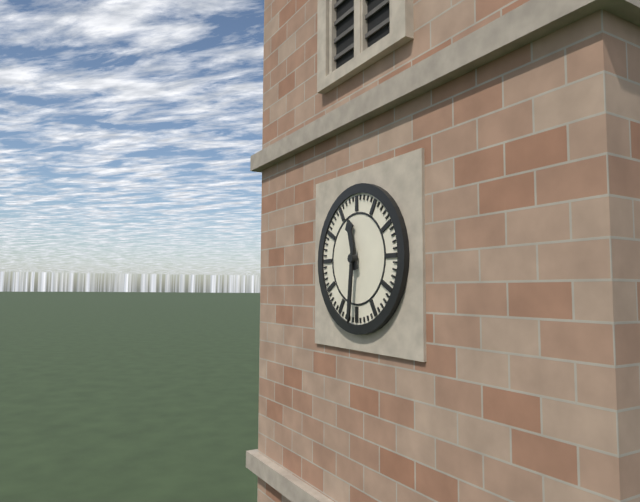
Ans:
h=11 m=31
